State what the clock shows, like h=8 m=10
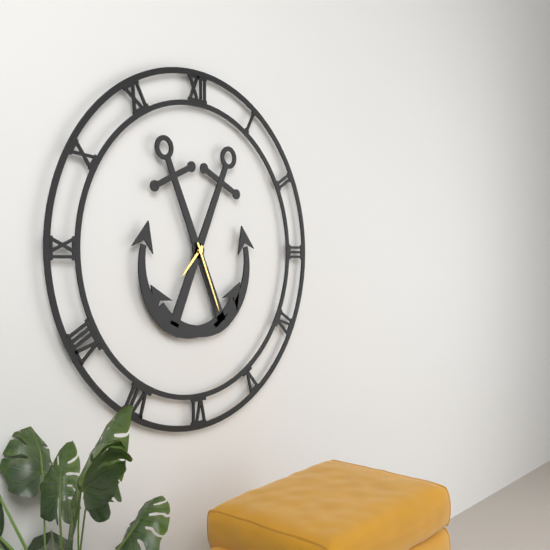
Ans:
h=7 m=26
